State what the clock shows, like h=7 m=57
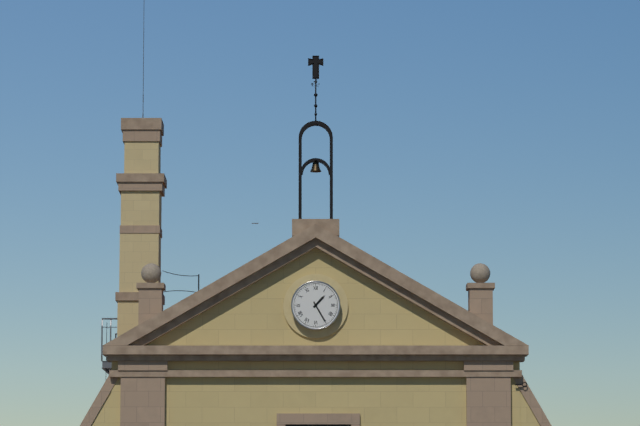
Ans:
h=1 m=25
